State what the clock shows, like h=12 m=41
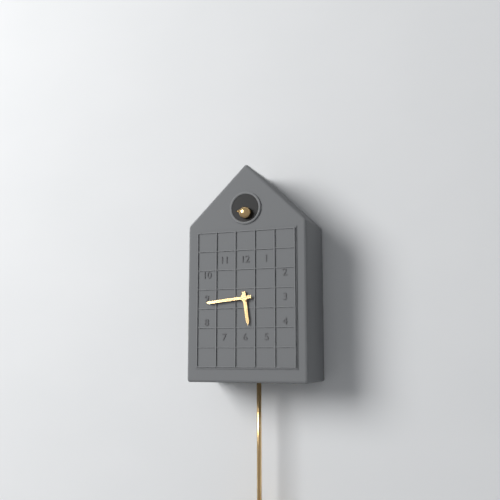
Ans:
h=5 m=44
